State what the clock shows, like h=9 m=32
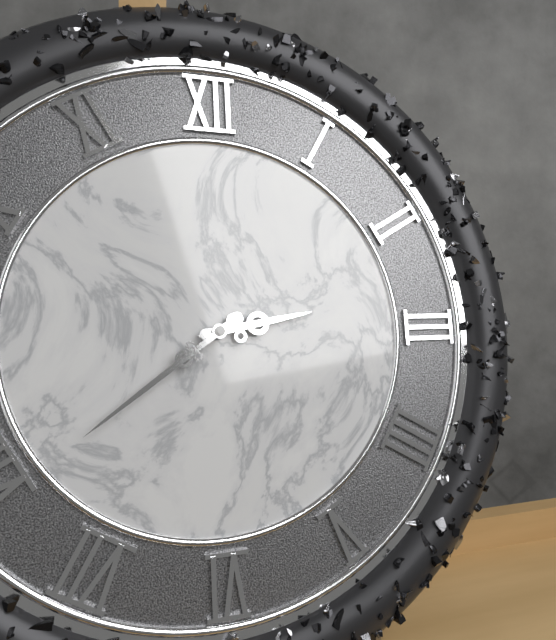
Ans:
h=2 m=39
